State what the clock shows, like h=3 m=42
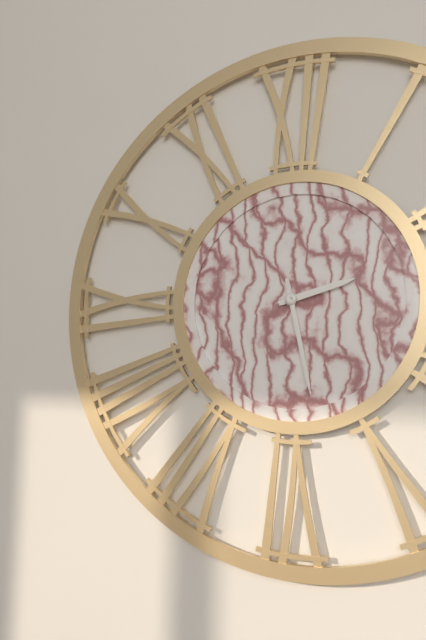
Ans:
h=2 m=28
